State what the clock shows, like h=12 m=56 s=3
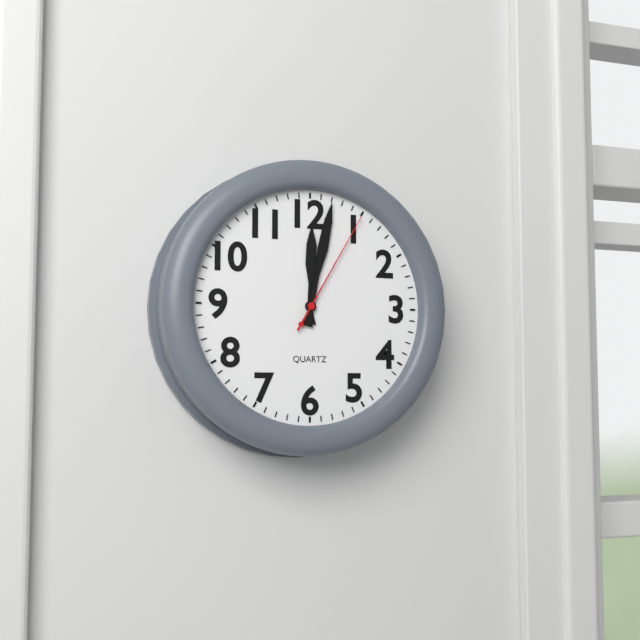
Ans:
h=12 m=2 s=5
